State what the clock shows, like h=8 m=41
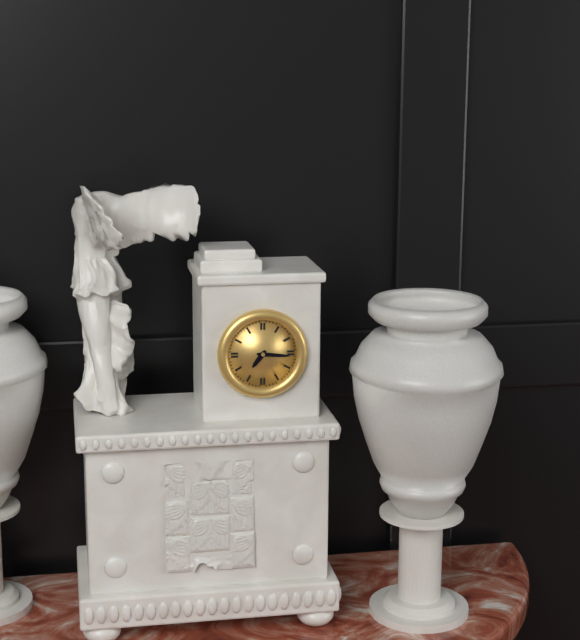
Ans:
h=7 m=16
